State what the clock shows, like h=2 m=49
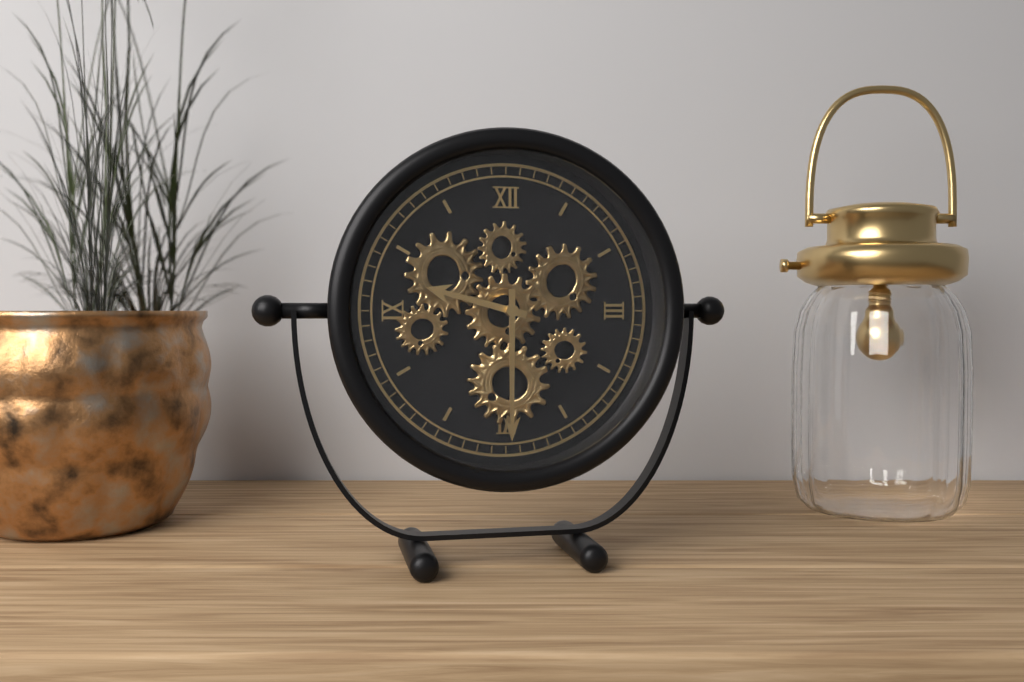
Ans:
h=9 m=30
